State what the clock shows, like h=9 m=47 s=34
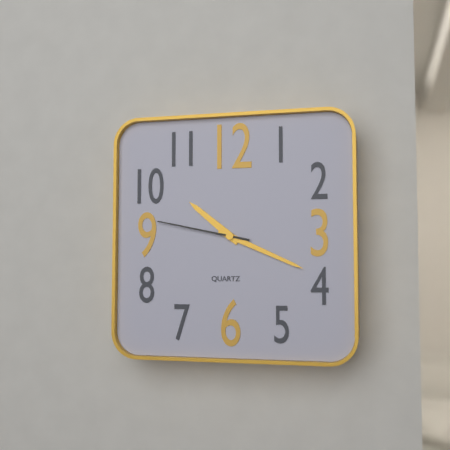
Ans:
h=10 m=19 s=47
